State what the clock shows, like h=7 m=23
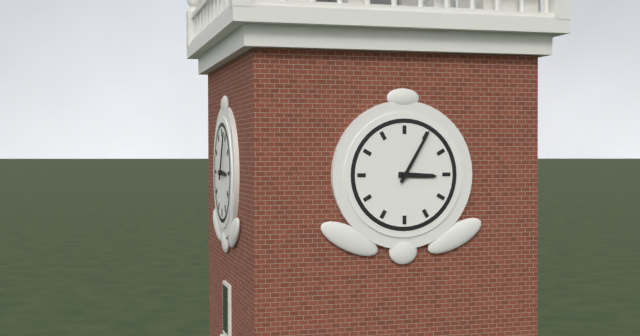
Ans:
h=3 m=5
